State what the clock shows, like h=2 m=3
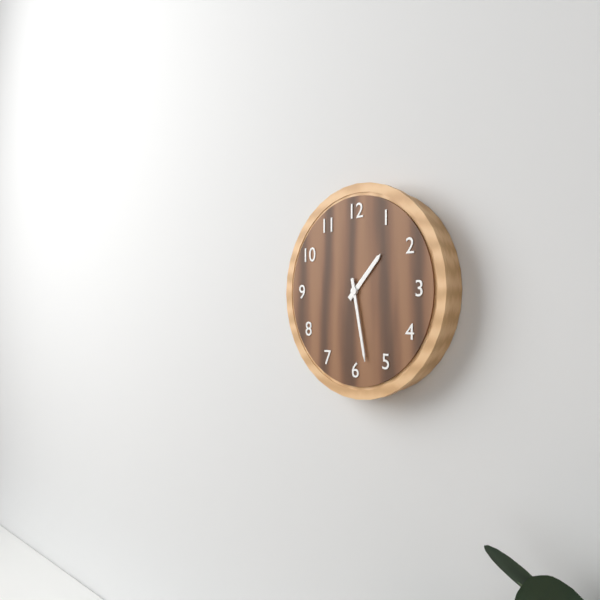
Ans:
h=1 m=28
